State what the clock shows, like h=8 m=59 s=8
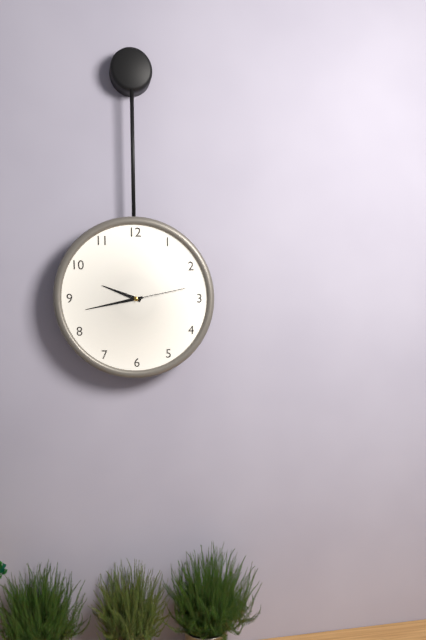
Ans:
h=9 m=43 s=13
